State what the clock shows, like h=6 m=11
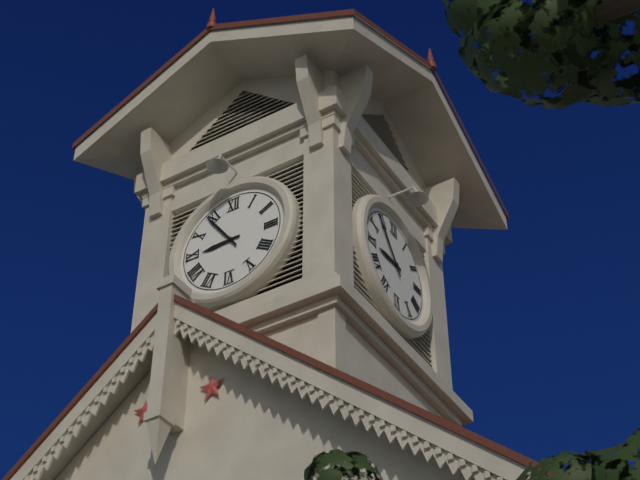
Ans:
h=8 m=54
